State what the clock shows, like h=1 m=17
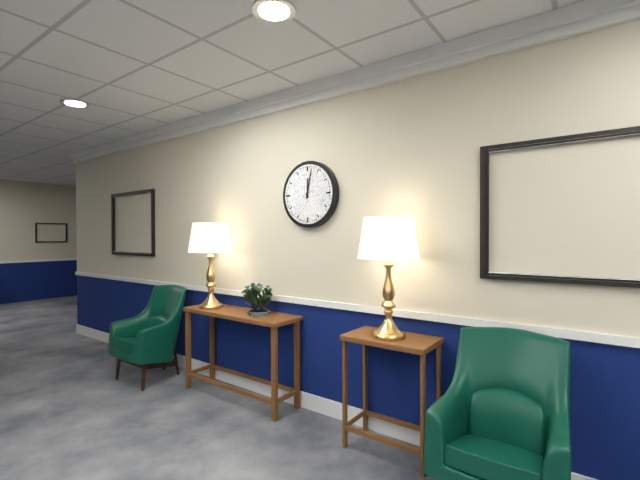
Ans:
h=12 m=2
